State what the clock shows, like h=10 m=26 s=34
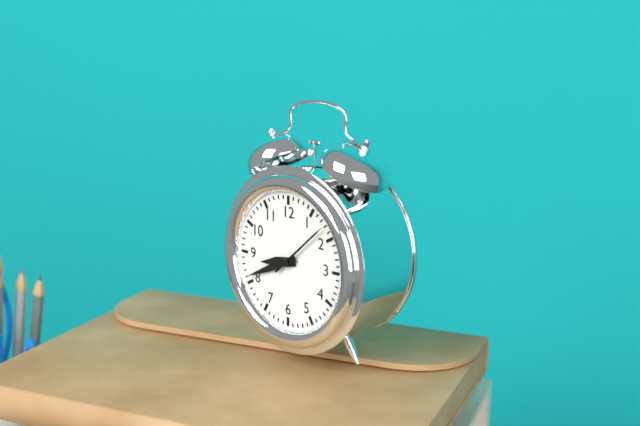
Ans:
h=8 m=41 s=8
